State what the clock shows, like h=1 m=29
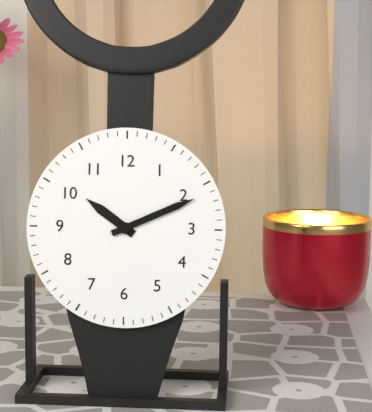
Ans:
h=10 m=11
